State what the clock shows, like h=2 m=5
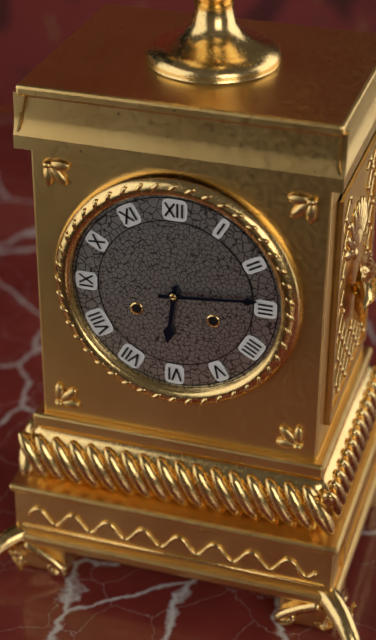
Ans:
h=6 m=14
